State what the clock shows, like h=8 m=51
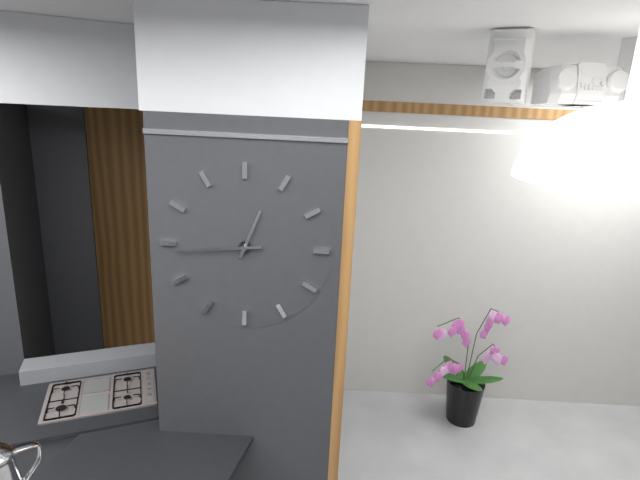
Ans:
h=12 m=44
